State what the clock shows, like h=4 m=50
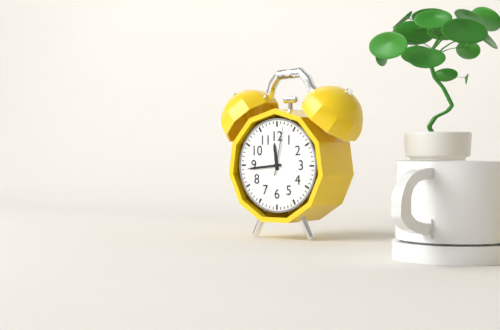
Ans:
h=11 m=44
